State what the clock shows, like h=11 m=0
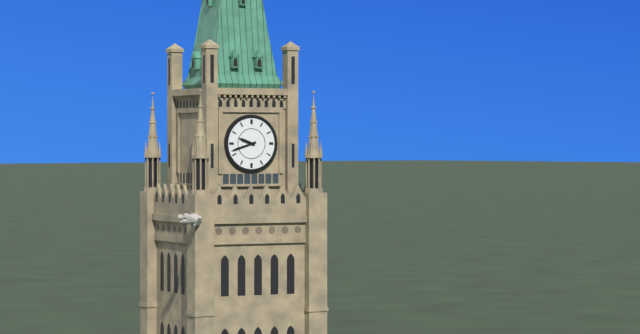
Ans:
h=9 m=42
